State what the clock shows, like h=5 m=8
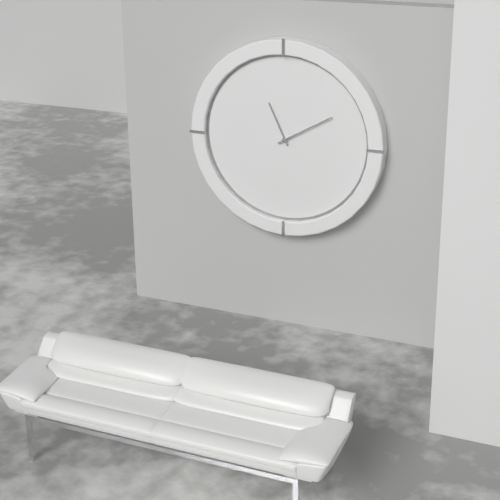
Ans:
h=11 m=10
